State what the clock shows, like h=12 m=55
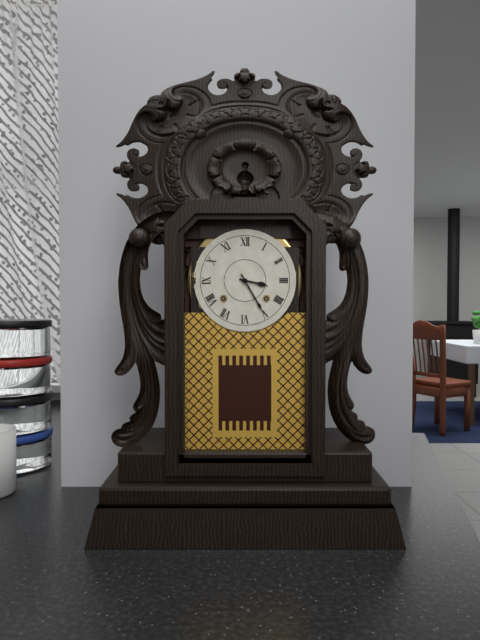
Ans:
h=3 m=25
